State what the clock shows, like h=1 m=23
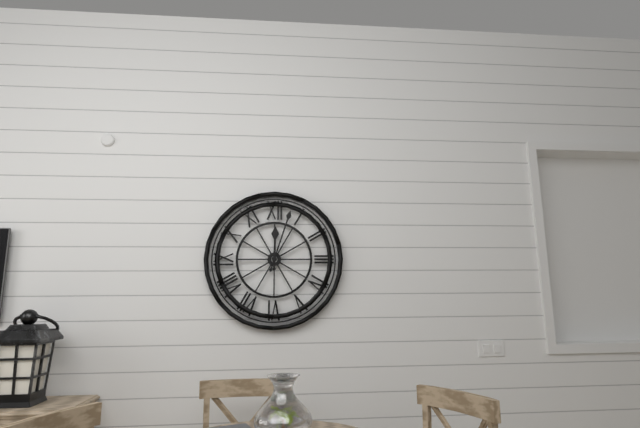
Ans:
h=12 m=3
